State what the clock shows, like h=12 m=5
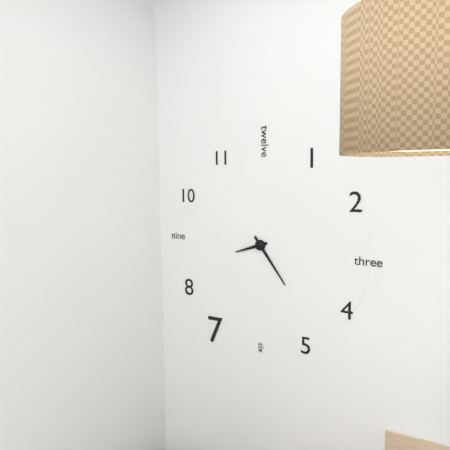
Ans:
h=8 m=24
